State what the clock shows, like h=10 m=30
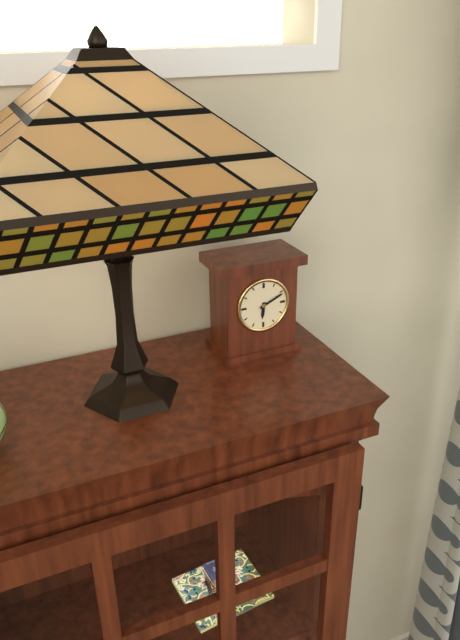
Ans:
h=6 m=11
